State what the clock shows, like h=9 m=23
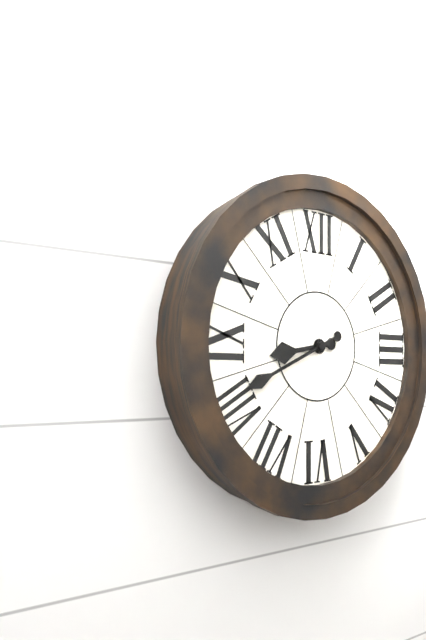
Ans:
h=8 m=41
